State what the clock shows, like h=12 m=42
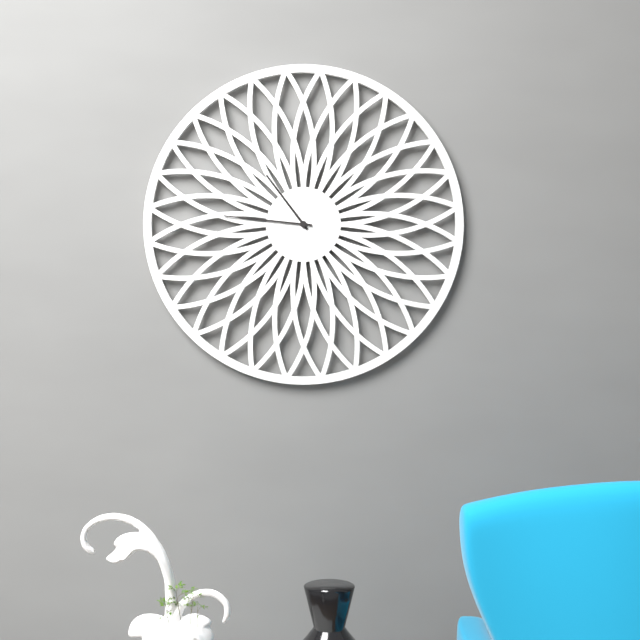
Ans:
h=10 m=46
